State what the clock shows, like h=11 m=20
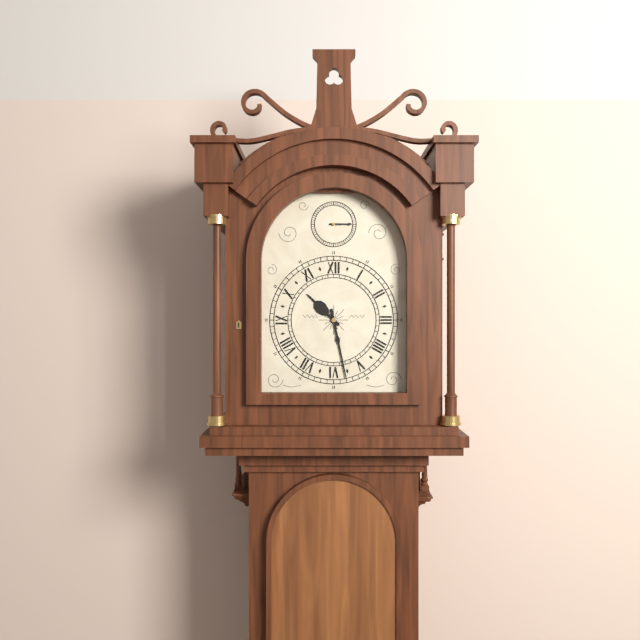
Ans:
h=10 m=28
